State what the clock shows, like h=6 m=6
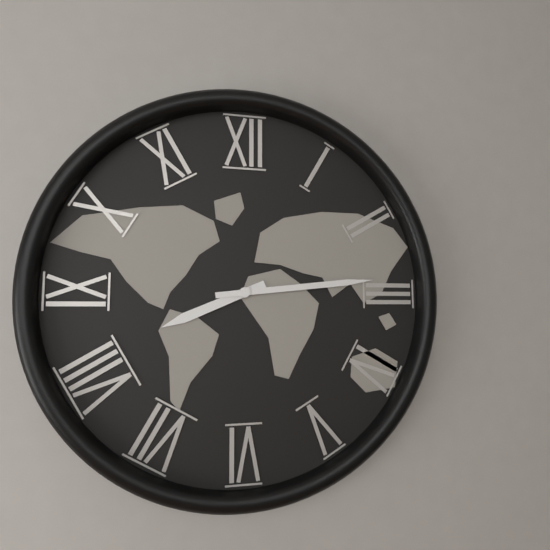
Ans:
h=8 m=14
